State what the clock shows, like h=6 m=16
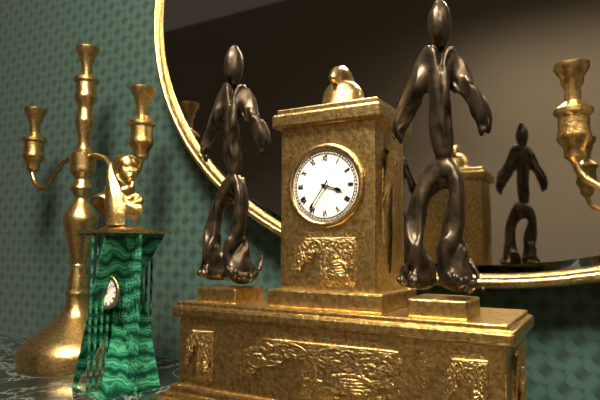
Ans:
h=3 m=36
